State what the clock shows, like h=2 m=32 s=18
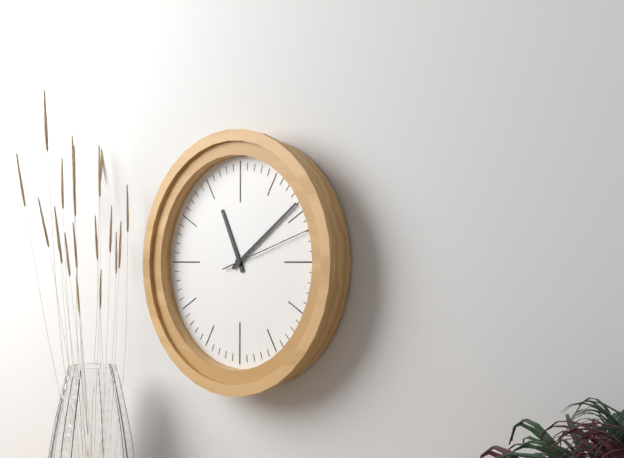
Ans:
h=11 m=9 s=12
